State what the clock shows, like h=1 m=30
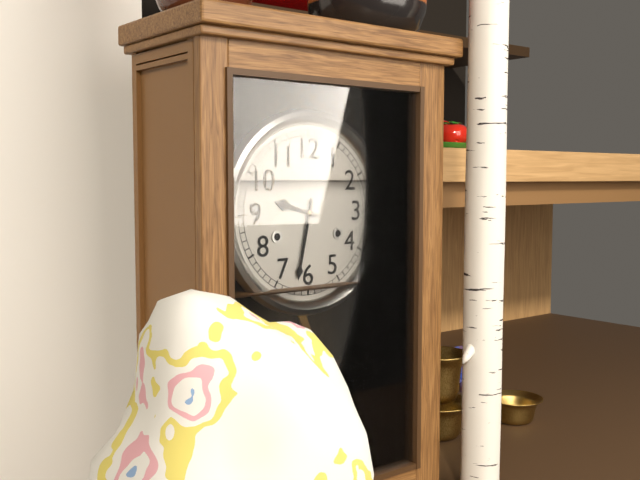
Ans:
h=9 m=32
